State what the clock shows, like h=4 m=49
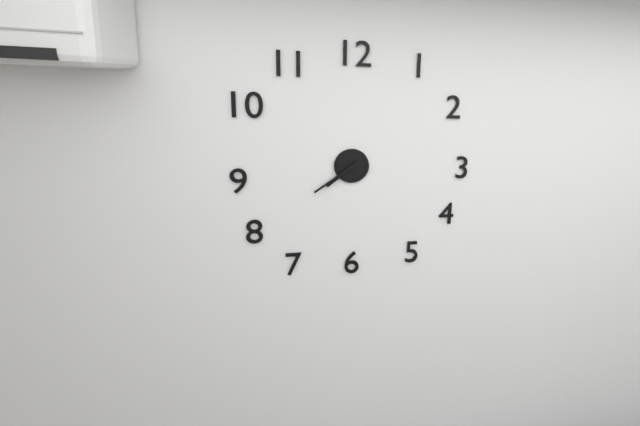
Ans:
h=7 m=39
